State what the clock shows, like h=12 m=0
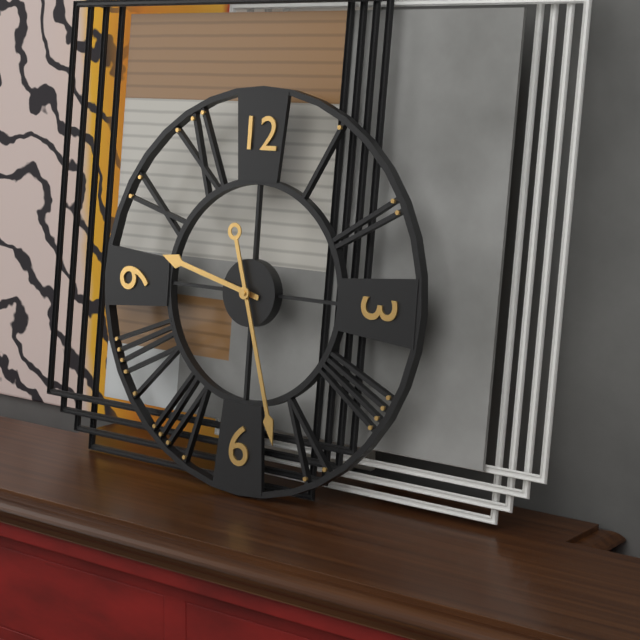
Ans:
h=9 m=27
